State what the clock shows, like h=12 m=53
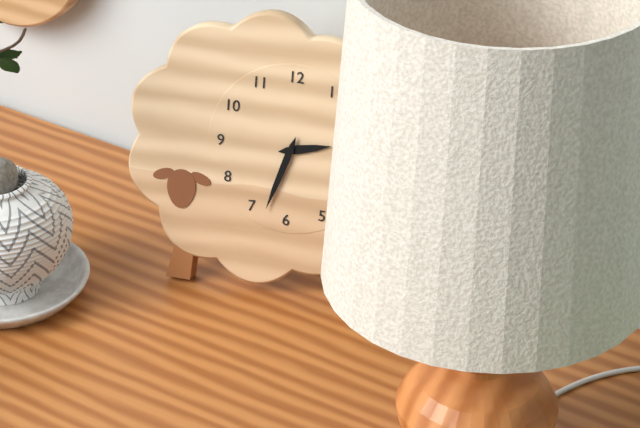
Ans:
h=2 m=33
